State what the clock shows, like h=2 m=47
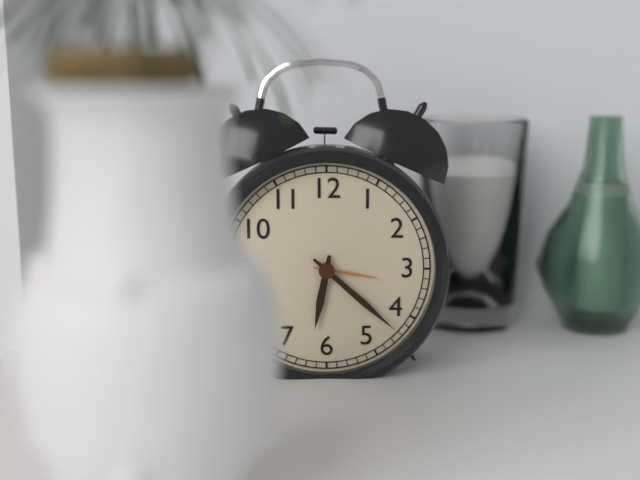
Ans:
h=6 m=22
